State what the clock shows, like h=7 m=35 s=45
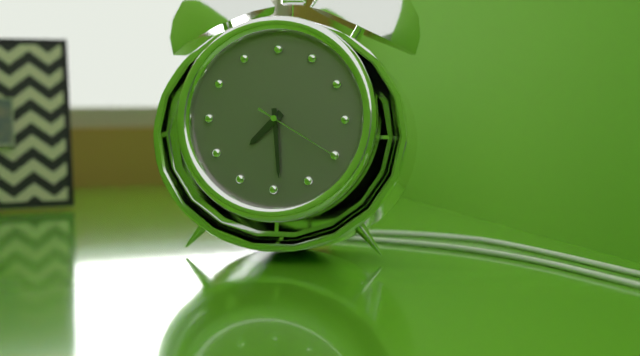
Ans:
h=7 m=29 s=20
